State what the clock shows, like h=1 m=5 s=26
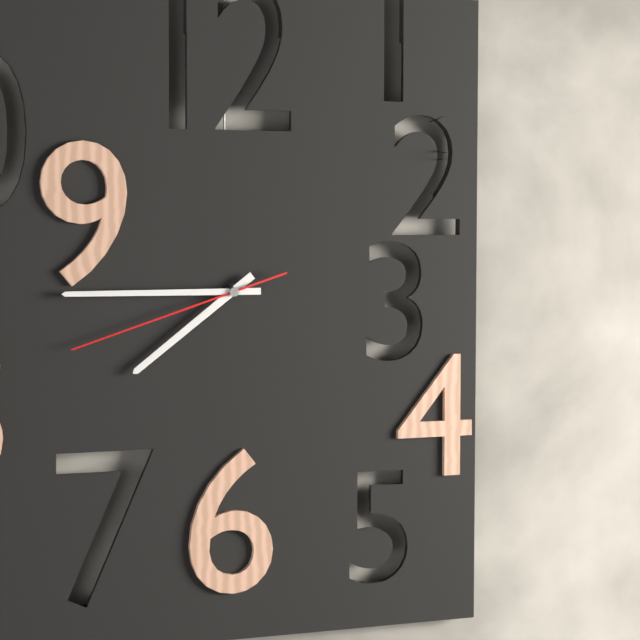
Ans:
h=7 m=45 s=42
